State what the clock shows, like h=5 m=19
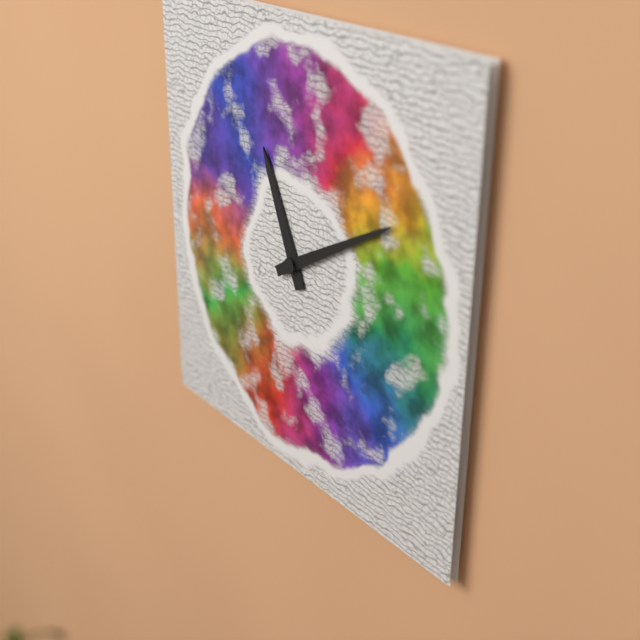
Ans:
h=11 m=10
